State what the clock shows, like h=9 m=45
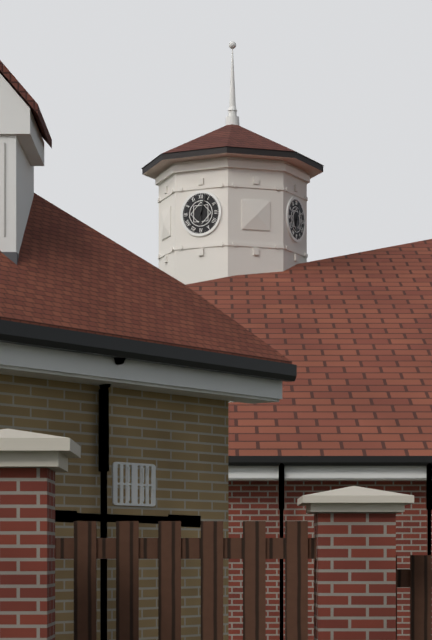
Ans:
h=6 m=3
